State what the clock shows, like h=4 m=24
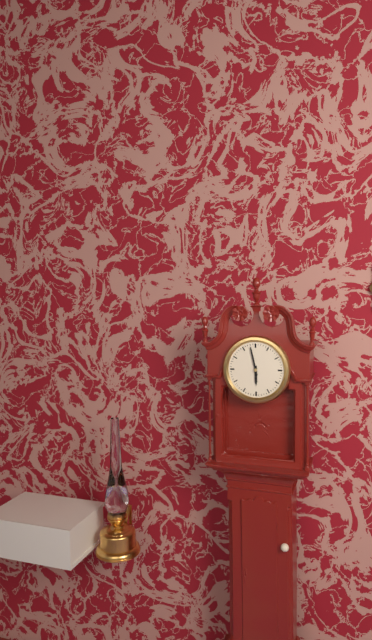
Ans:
h=5 m=58
